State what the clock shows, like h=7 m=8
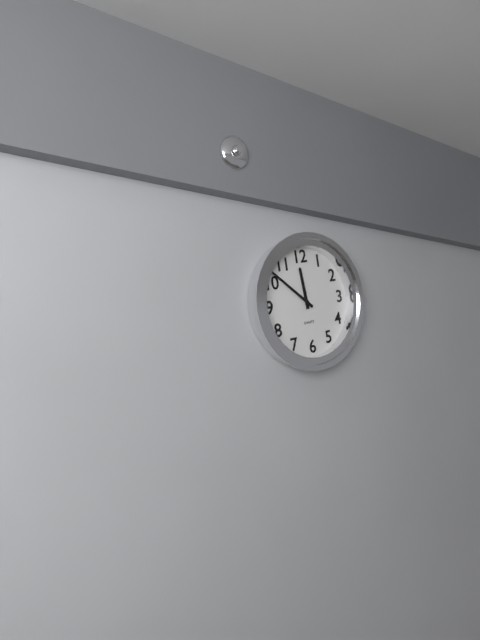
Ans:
h=11 m=52
